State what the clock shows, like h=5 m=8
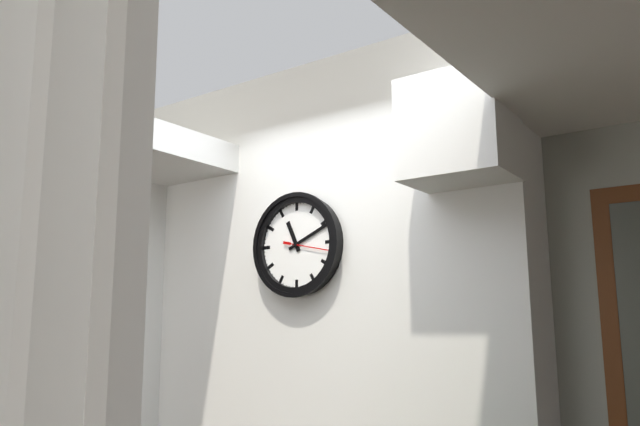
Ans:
h=11 m=11
